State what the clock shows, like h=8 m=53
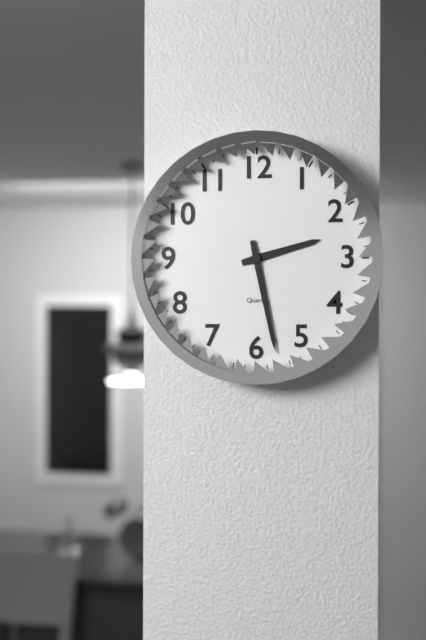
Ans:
h=2 m=28
